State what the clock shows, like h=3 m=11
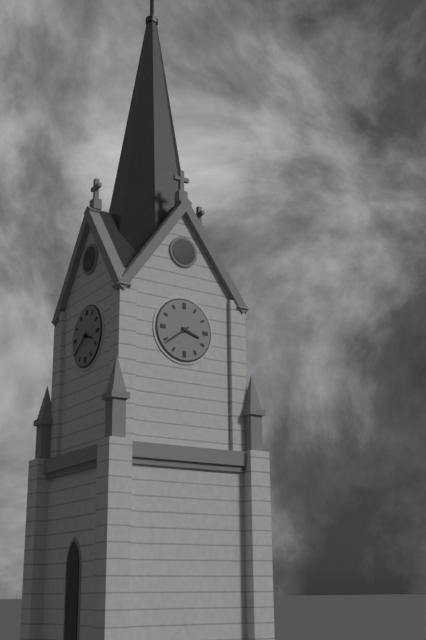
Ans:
h=3 m=39
